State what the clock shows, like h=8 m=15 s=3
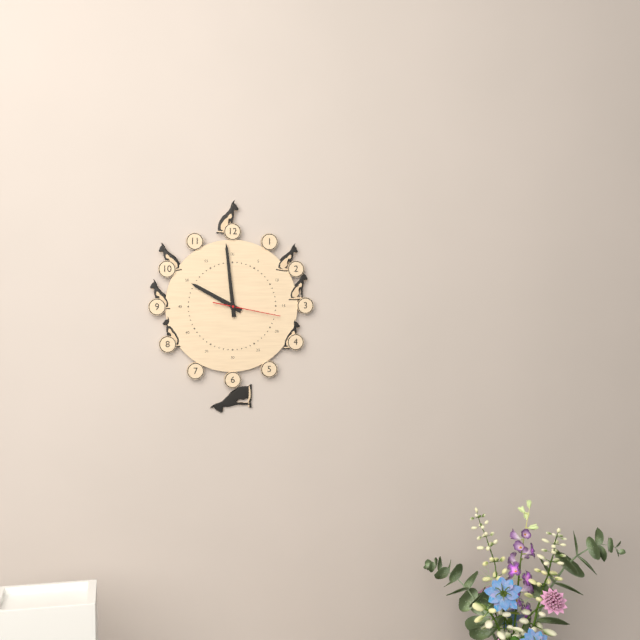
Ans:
h=9 m=59 s=17
